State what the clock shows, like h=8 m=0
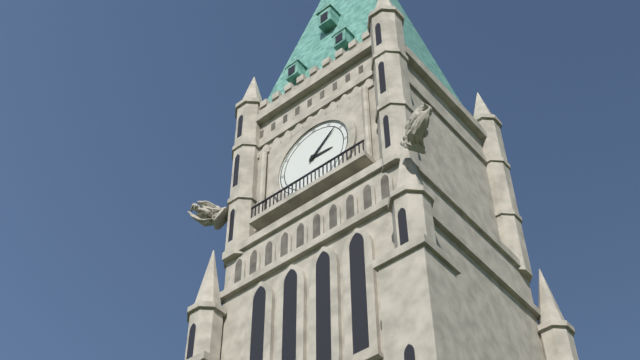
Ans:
h=3 m=8
